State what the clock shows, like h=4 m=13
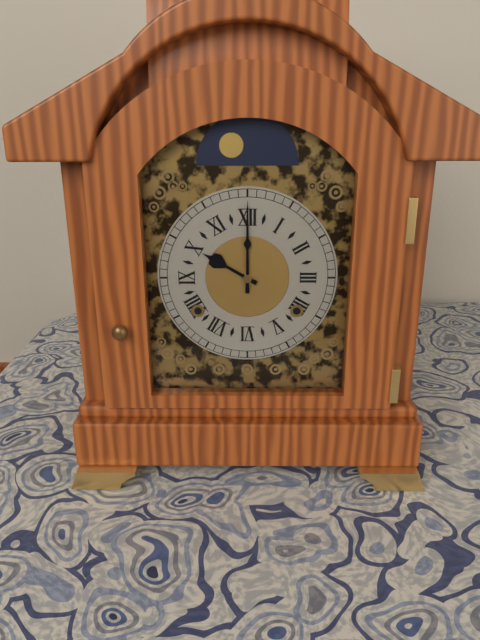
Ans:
h=10 m=0
